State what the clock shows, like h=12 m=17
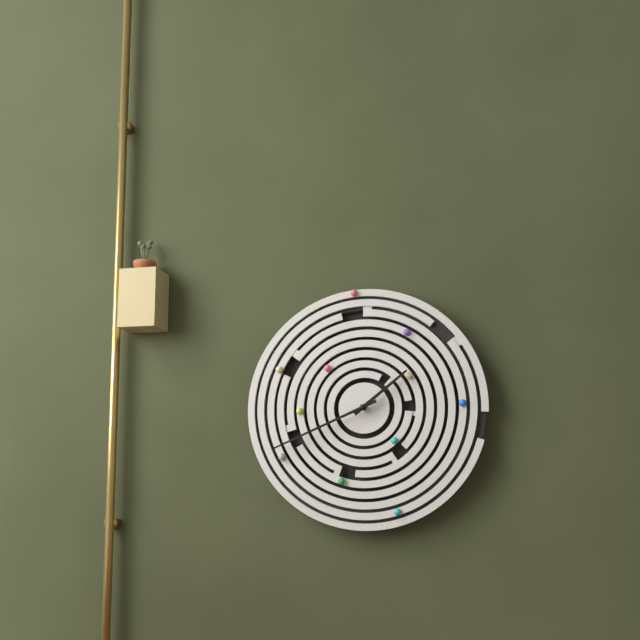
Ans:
h=1 m=41
